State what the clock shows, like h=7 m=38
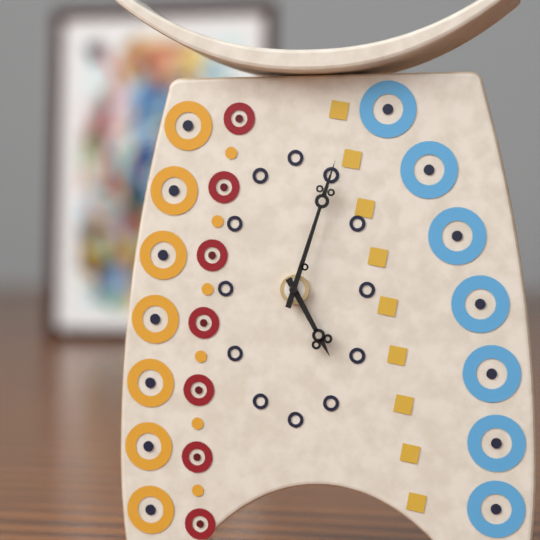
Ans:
h=5 m=3
